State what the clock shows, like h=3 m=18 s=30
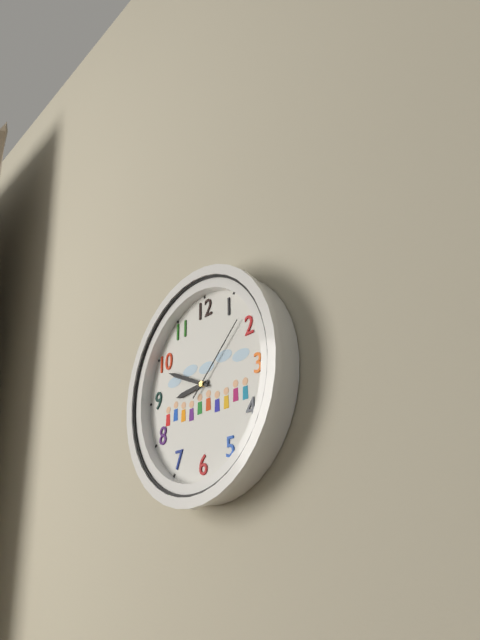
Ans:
h=8 m=49 s=8
